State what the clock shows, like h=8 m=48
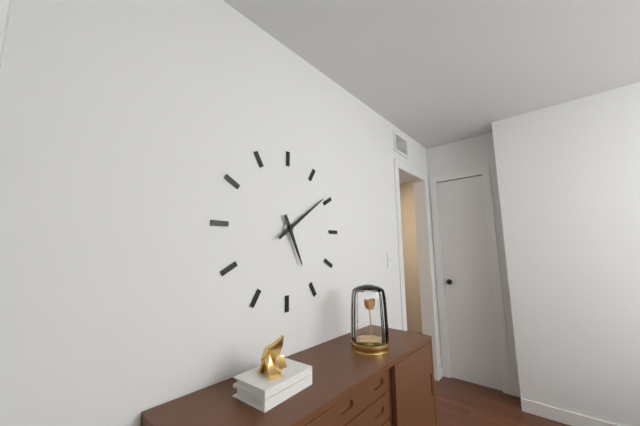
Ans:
h=5 m=9
